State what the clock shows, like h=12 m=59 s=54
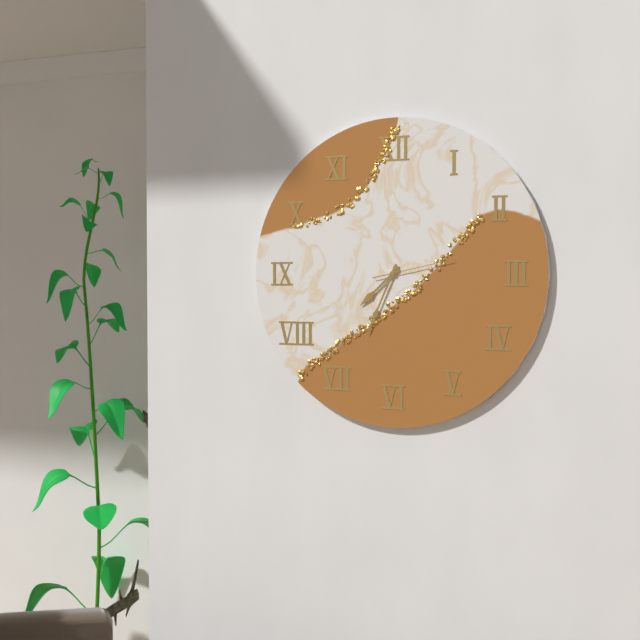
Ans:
h=7 m=34 s=13
